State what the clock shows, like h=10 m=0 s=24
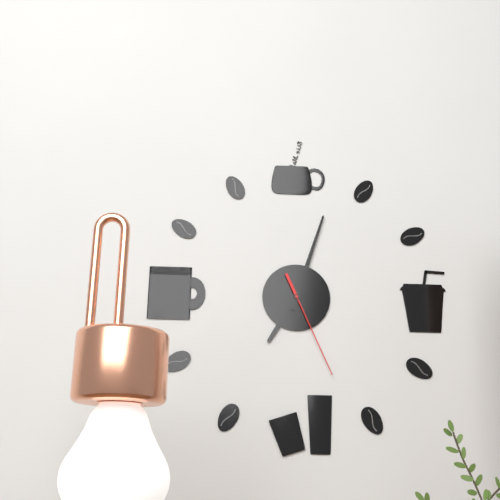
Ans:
h=7 m=3 s=26
